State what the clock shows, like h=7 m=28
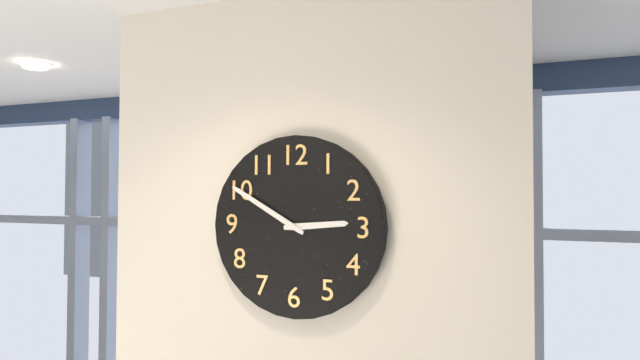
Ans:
h=2 m=50
